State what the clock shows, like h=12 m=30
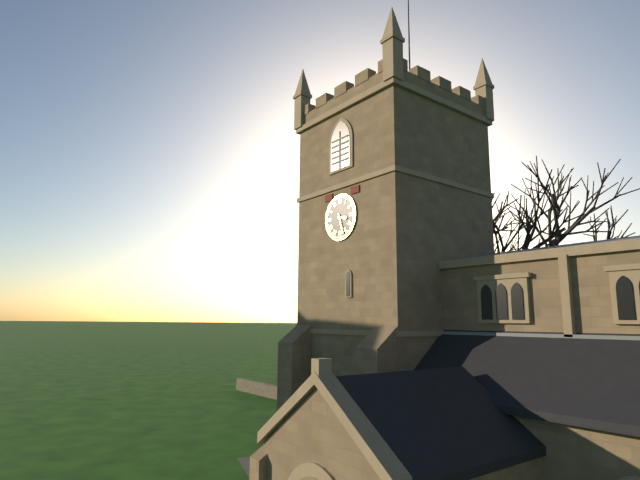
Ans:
h=3 m=27
